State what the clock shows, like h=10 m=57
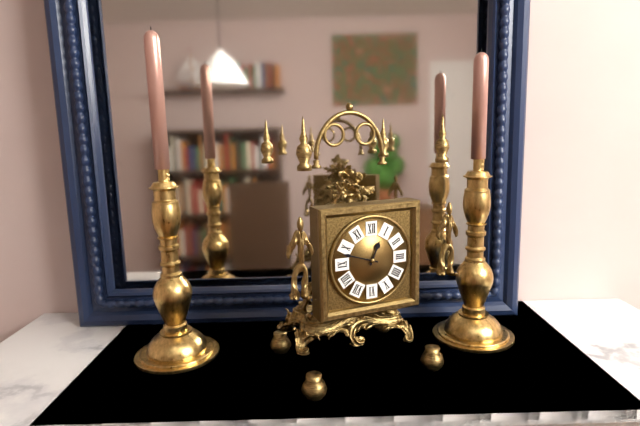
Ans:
h=12 m=48
